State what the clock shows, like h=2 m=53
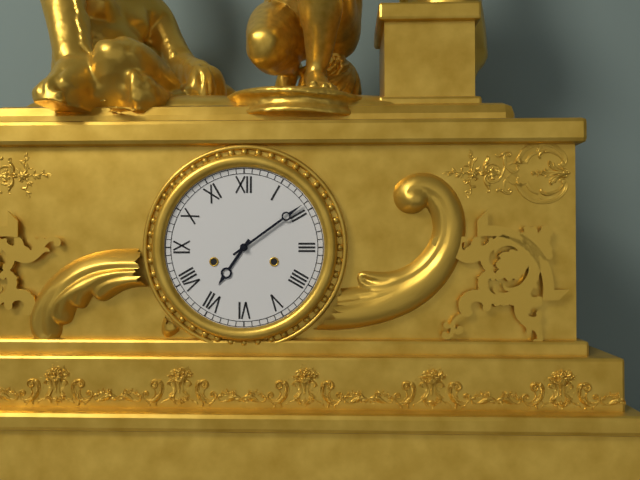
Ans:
h=7 m=9
